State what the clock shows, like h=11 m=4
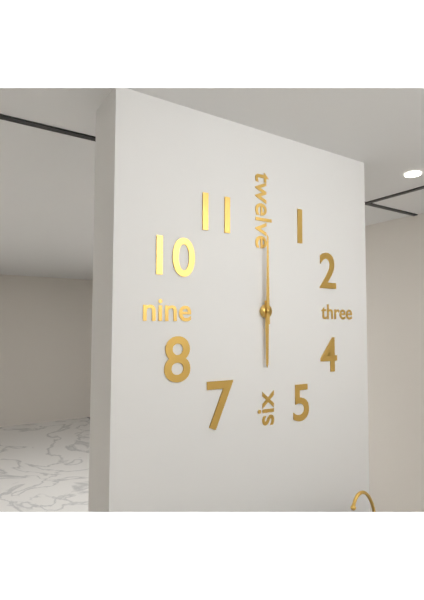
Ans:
h=6 m=0
